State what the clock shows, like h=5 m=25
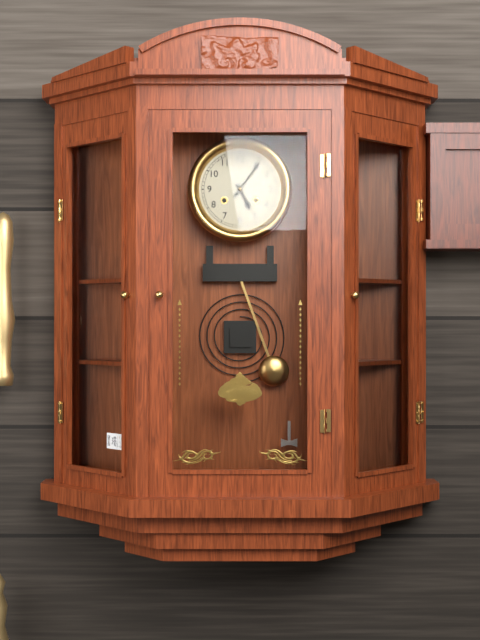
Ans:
h=5 m=6
